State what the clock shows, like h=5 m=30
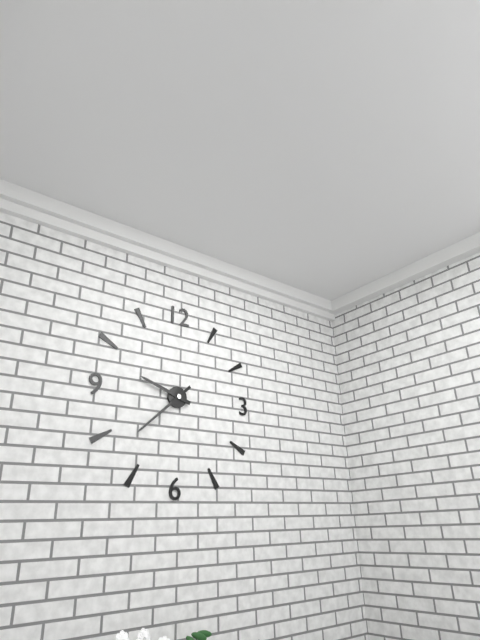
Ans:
h=9 m=38
